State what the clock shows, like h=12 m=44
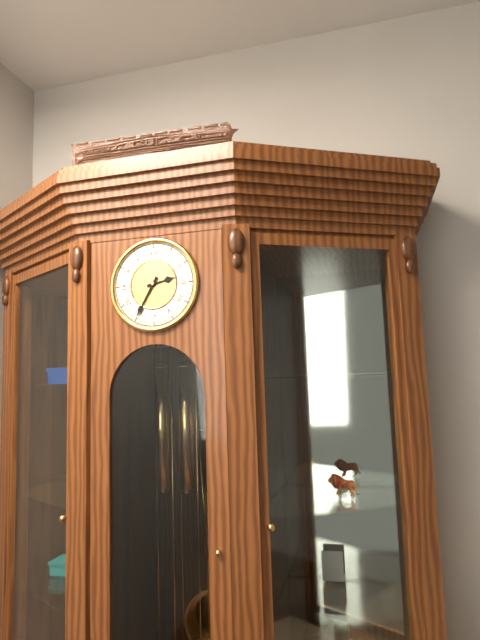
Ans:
h=2 m=35
